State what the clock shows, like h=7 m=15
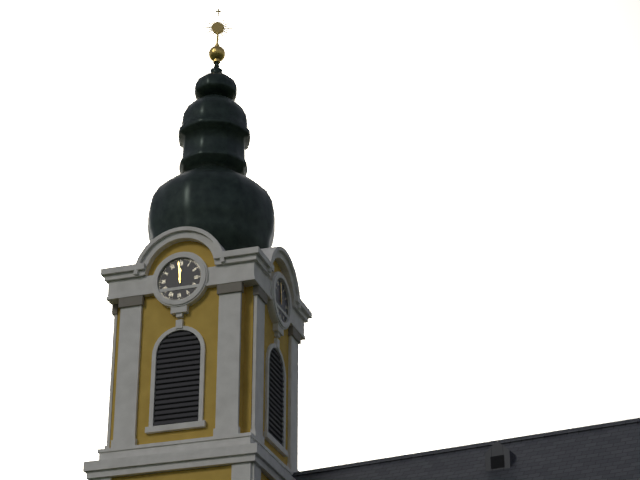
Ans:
h=11 m=59
